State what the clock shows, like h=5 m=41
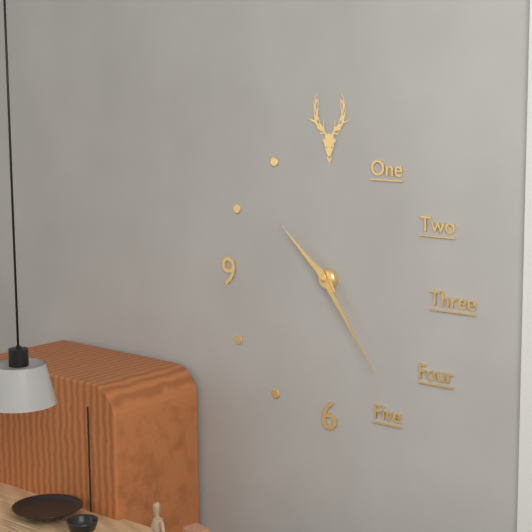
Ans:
h=10 m=24
